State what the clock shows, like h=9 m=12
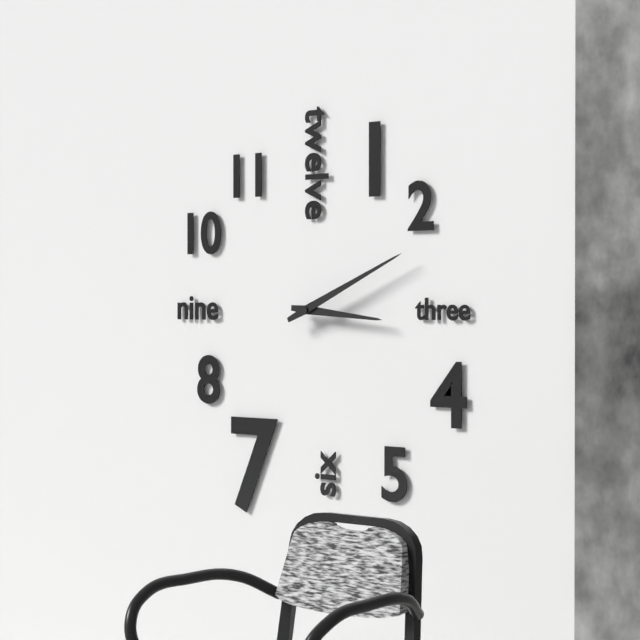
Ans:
h=3 m=11
